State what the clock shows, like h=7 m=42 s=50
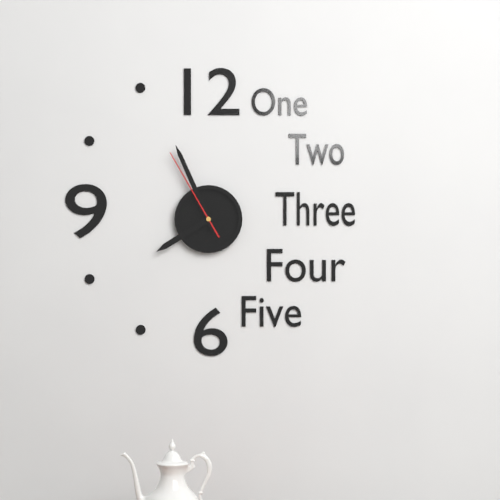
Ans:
h=7 m=56 s=55
